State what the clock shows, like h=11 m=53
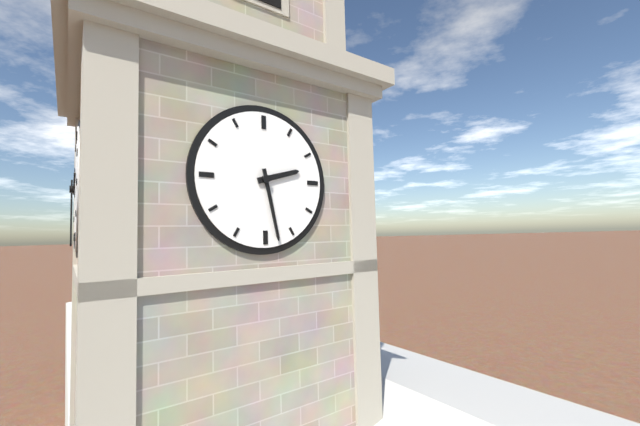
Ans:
h=2 m=28
